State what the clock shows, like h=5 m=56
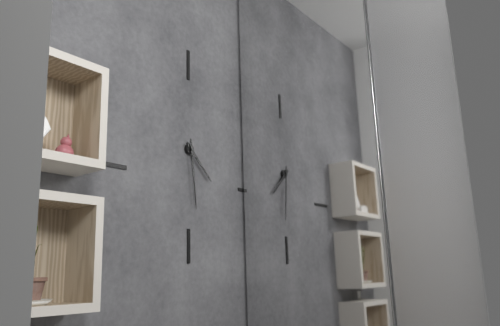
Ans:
h=4 m=29
